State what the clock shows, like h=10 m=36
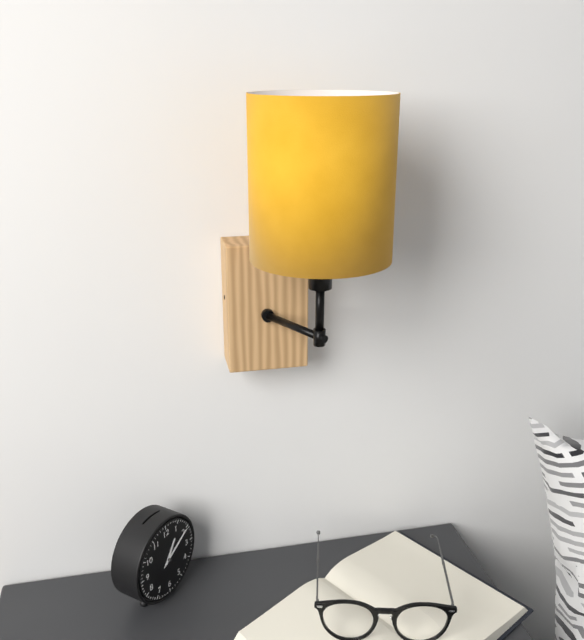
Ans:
h=1 m=10
